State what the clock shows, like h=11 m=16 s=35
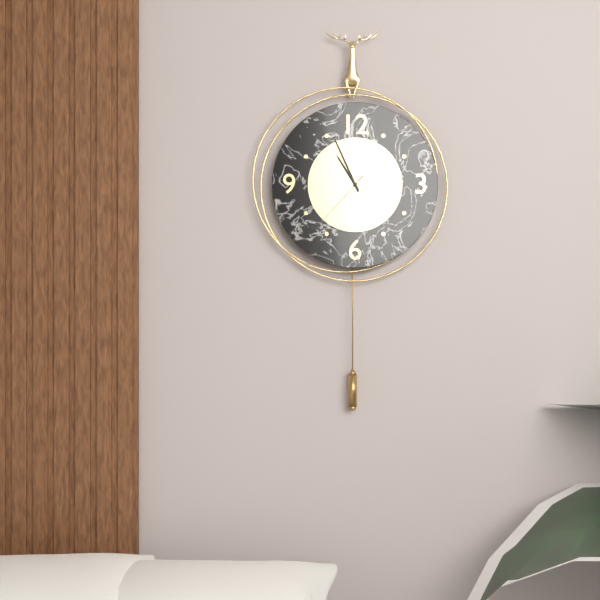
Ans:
h=10 m=56 s=37
